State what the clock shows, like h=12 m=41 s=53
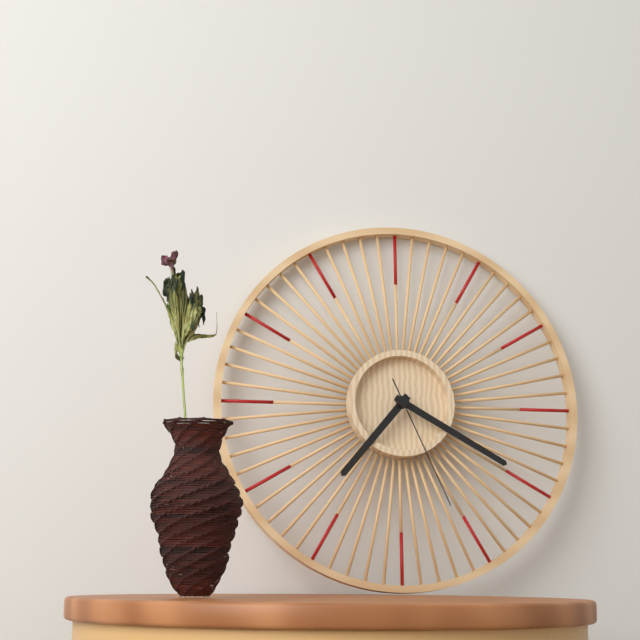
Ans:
h=7 m=20 s=26
